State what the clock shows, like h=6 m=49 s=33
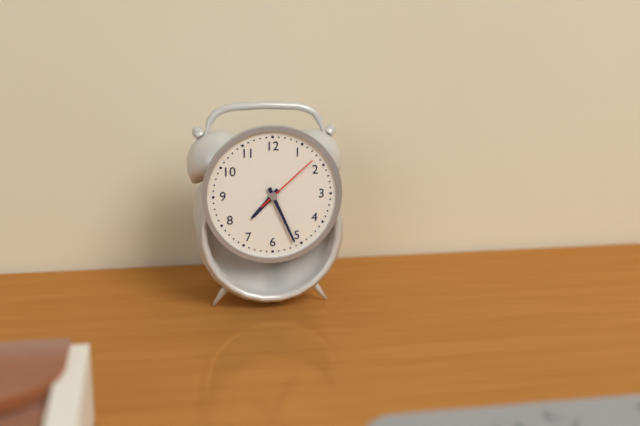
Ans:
h=7 m=26 s=8
